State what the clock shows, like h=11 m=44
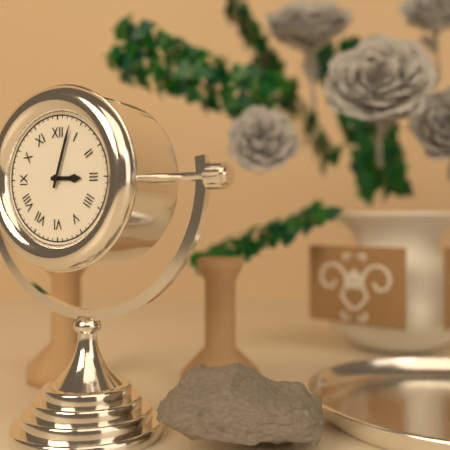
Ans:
h=3 m=3
